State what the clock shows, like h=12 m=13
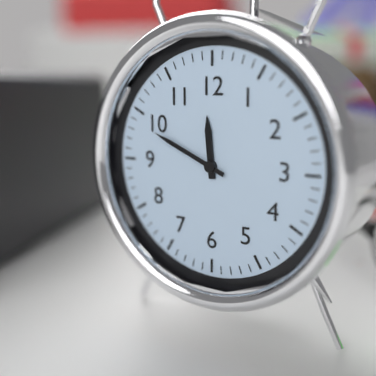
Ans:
h=11 m=49
